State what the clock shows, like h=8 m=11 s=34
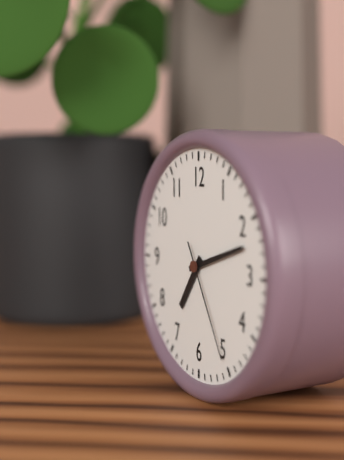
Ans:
h=7 m=12 s=25
